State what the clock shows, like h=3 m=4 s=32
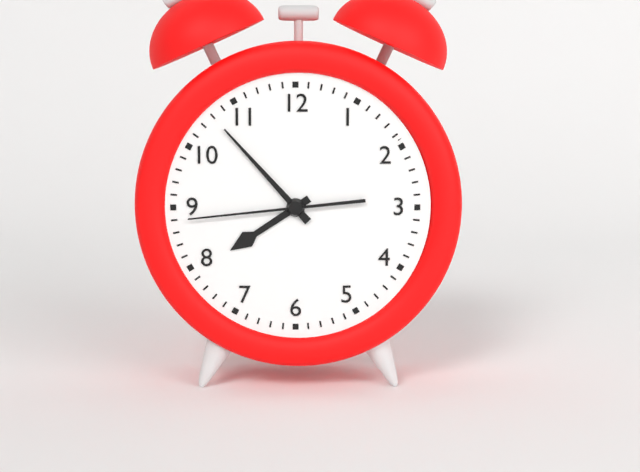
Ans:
h=7 m=53 s=44
